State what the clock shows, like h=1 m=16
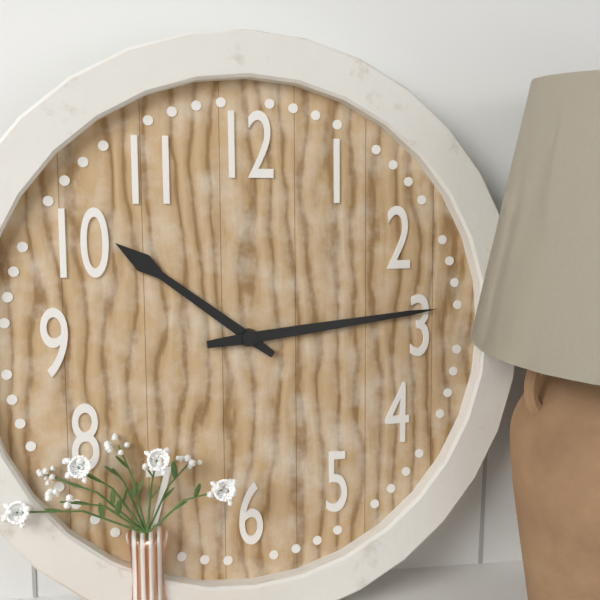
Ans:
h=10 m=14
